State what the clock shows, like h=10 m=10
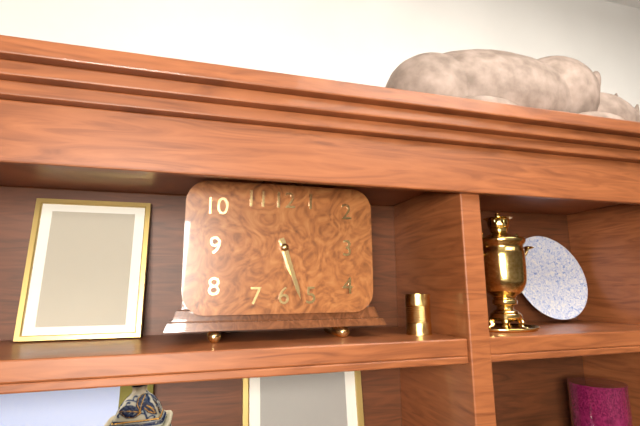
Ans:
h=5 m=27
